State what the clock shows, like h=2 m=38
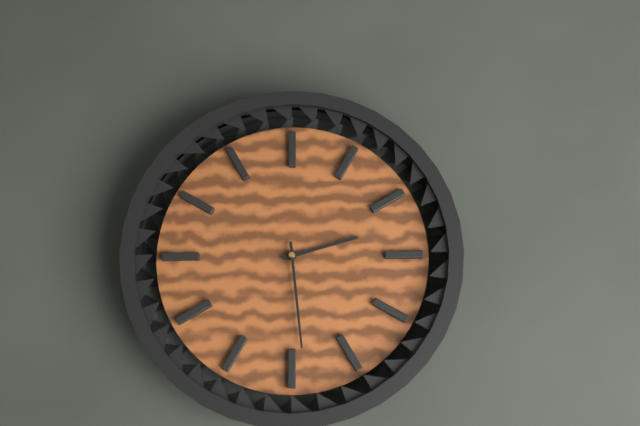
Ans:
h=2 m=29
